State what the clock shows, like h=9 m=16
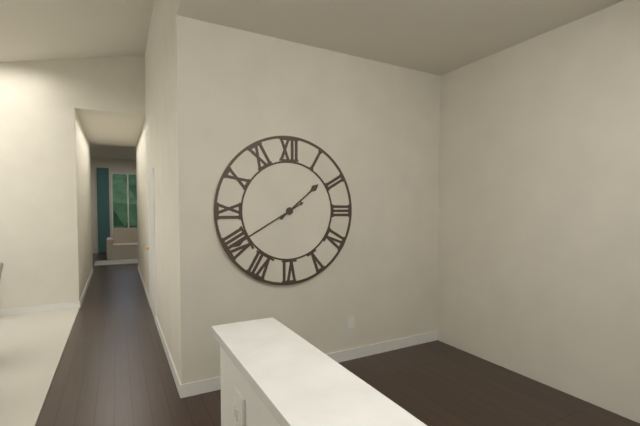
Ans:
h=1 m=40
